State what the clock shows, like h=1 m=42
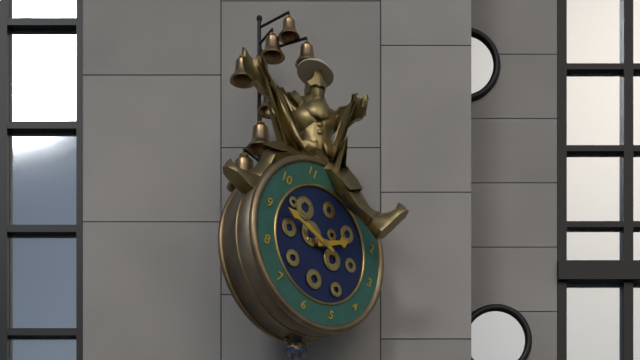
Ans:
h=1 m=46
